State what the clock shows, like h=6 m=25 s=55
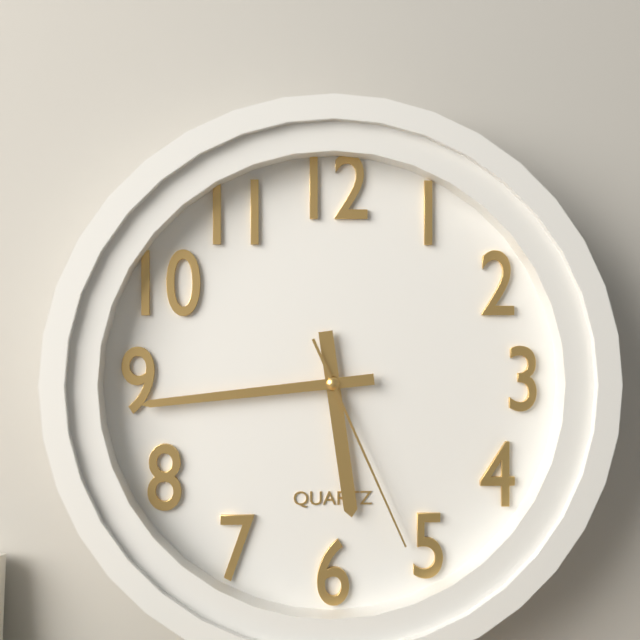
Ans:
h=5 m=44 s=26
